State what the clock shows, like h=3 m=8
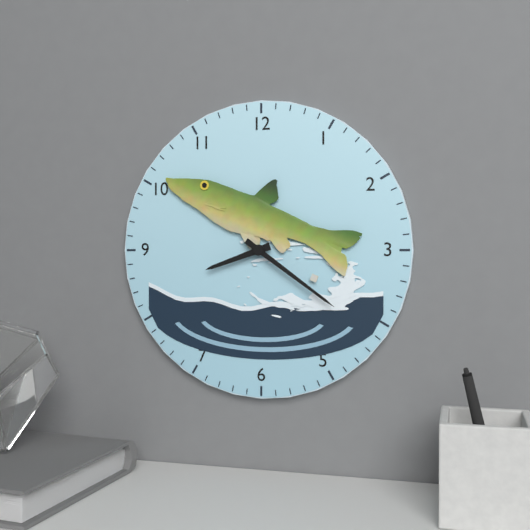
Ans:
h=8 m=21
